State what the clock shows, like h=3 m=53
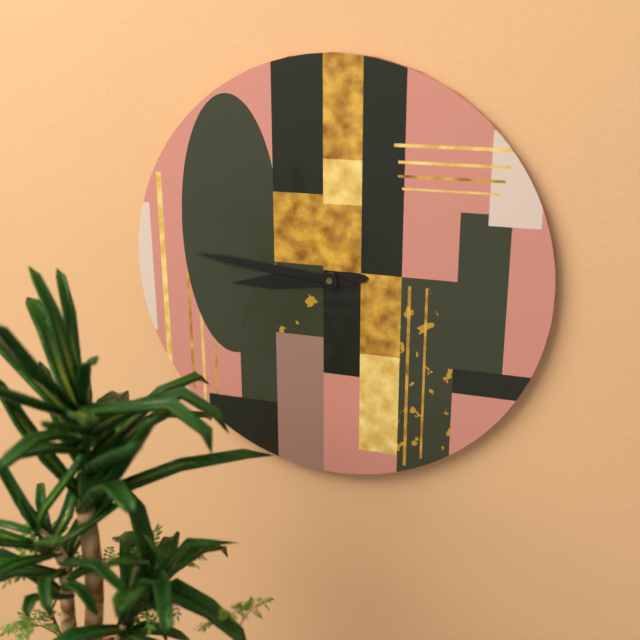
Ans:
h=8 m=46
